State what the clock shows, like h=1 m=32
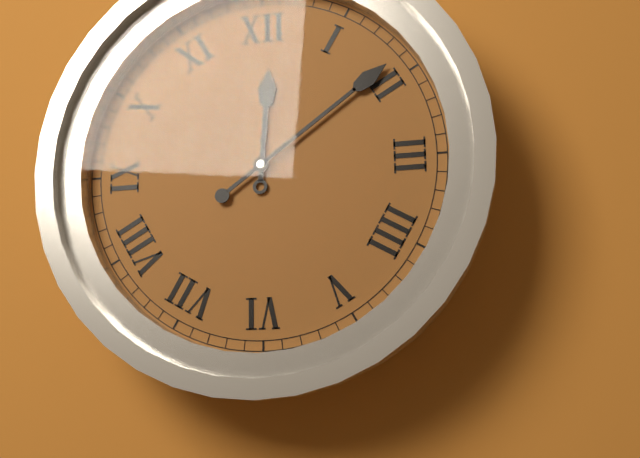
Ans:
h=12 m=9
